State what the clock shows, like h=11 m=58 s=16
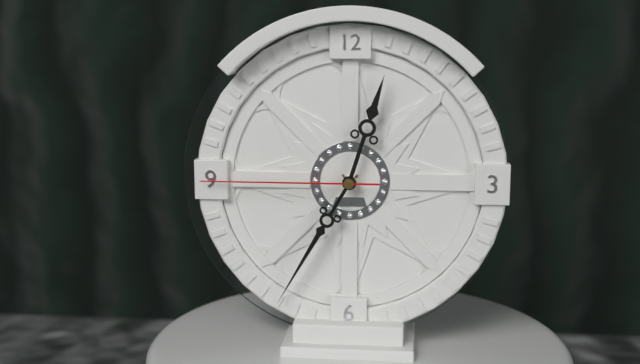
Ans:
h=12 m=35 s=45
